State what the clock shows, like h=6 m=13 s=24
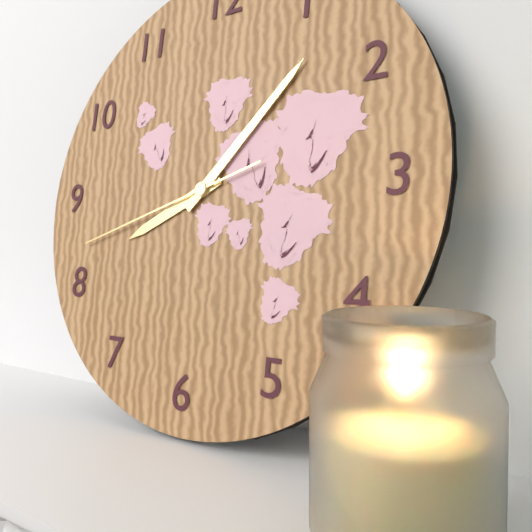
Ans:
h=8 m=7 s=42
